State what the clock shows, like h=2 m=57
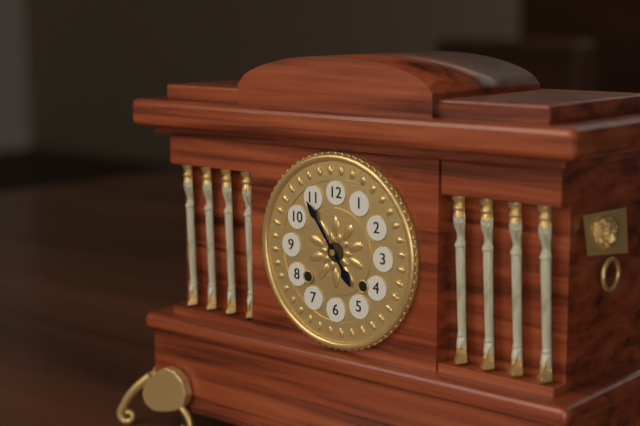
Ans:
h=4 m=54
